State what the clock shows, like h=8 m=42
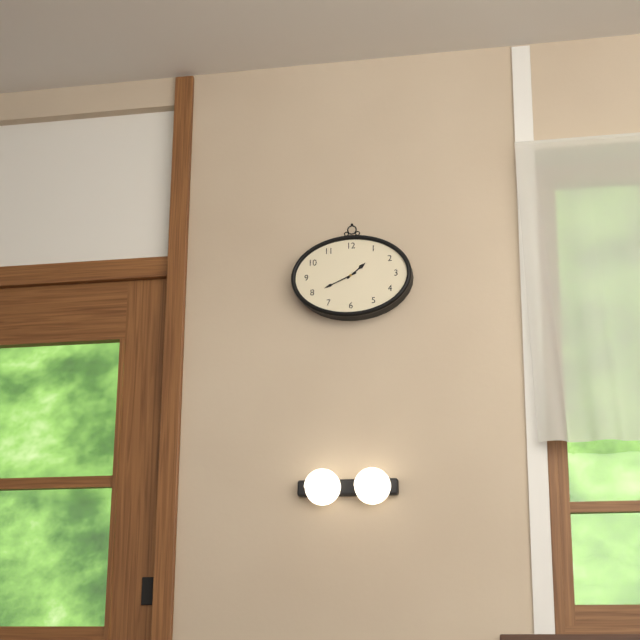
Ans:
h=1 m=41
